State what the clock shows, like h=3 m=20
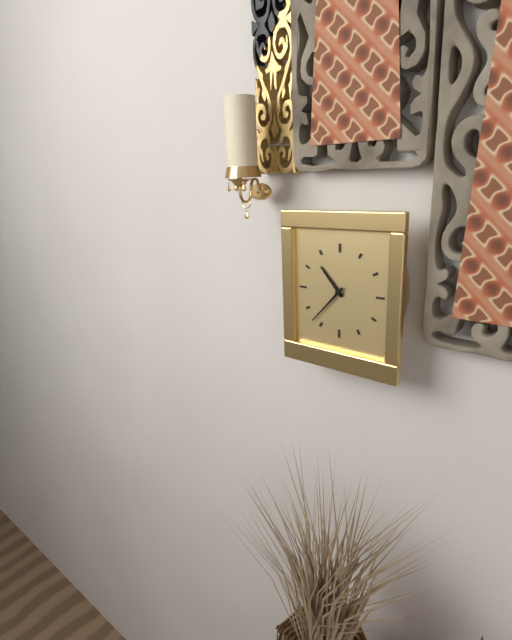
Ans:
h=10 m=37
